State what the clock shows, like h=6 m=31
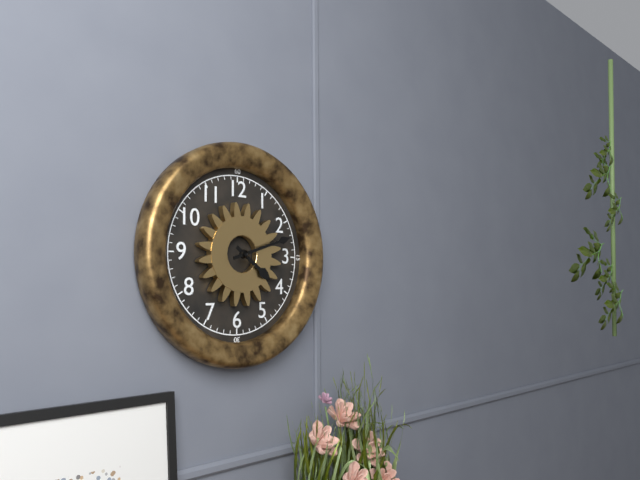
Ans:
h=4 m=12
